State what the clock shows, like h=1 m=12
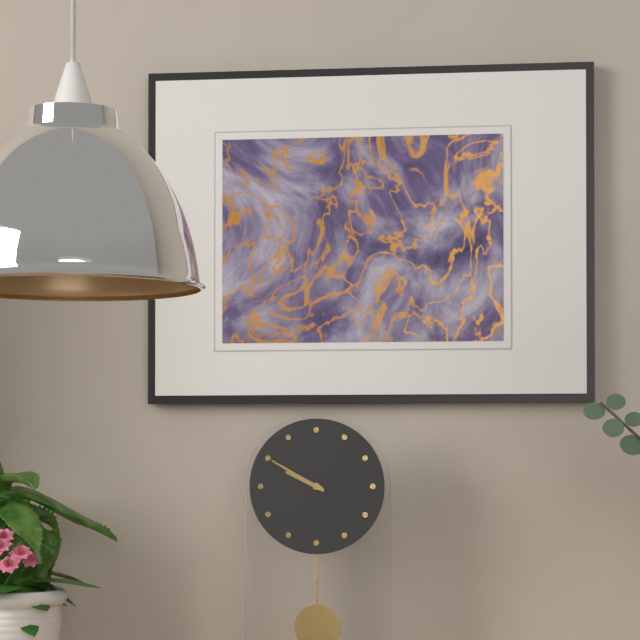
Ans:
h=9 m=50
